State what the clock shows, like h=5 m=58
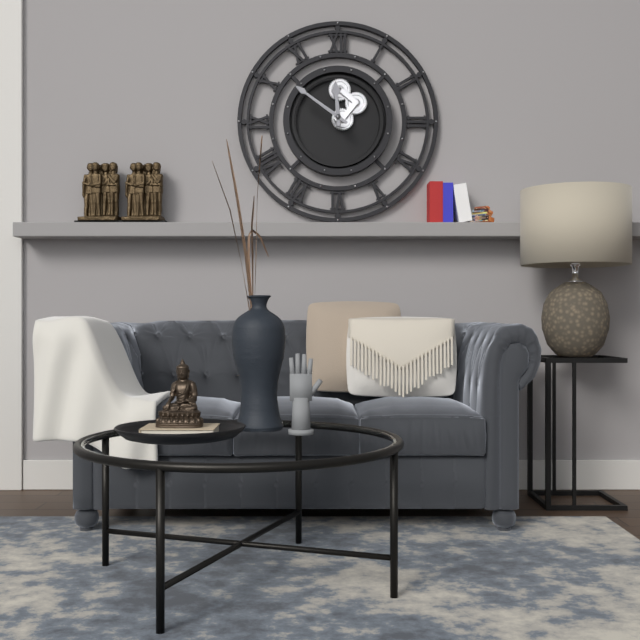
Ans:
h=11 m=51
